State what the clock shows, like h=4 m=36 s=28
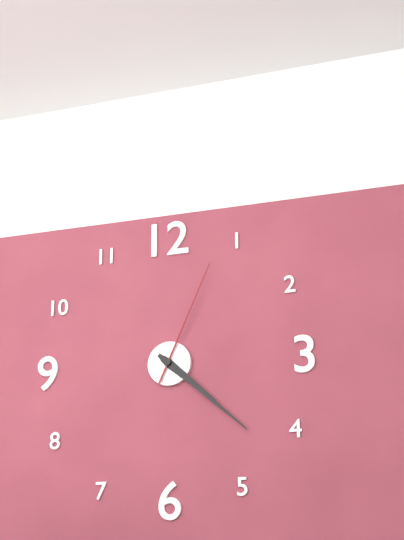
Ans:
h=4 m=22 s=4
